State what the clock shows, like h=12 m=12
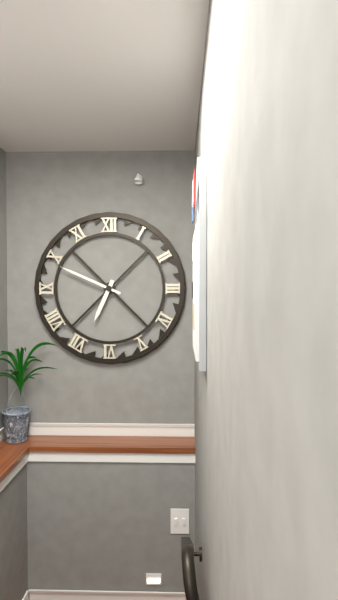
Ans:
h=6 m=49
